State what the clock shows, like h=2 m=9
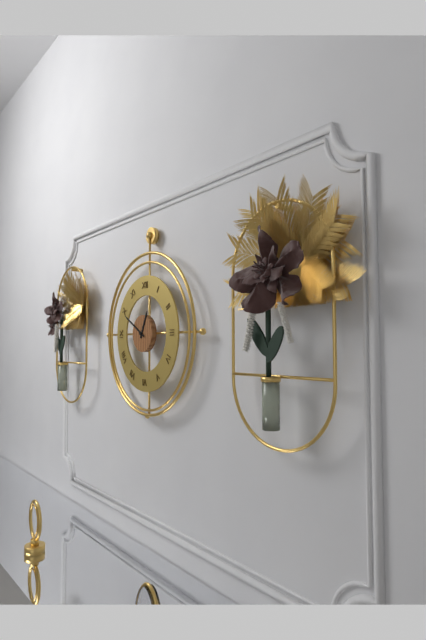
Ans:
h=12 m=50
